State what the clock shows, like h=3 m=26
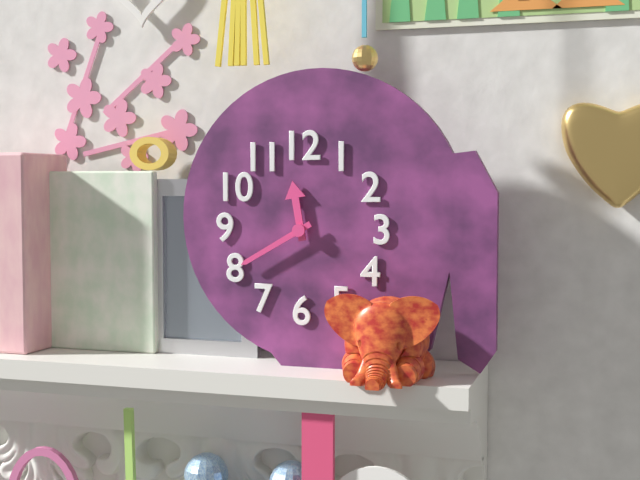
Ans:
h=11 m=40
